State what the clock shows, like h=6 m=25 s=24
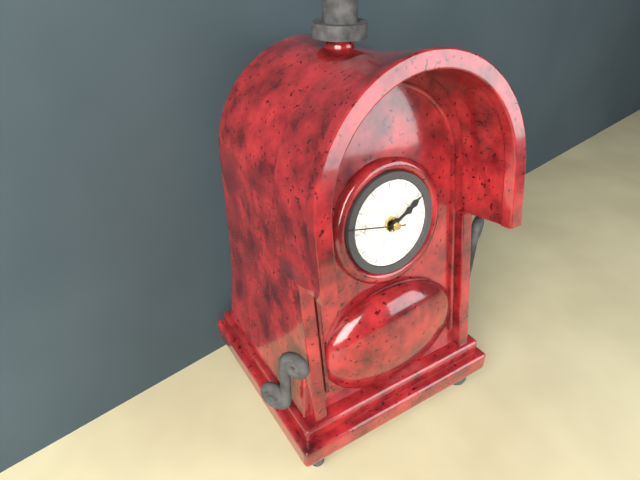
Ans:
h=2 m=10 s=47
